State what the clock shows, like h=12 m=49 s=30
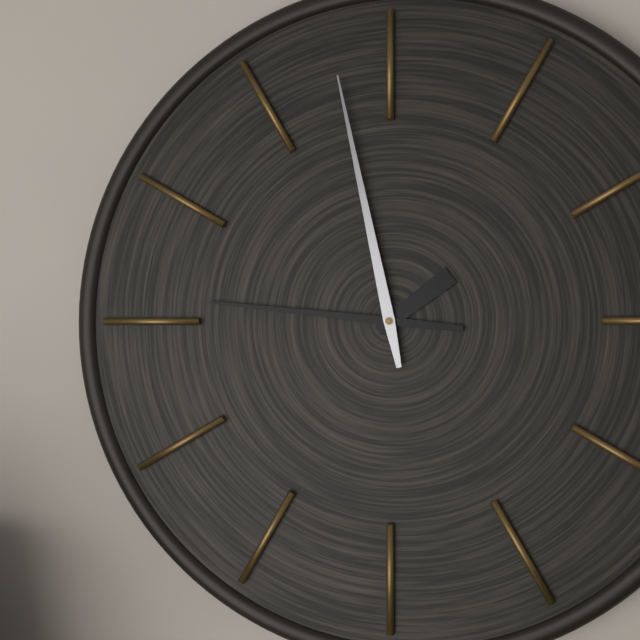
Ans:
h=1 m=46 s=58
